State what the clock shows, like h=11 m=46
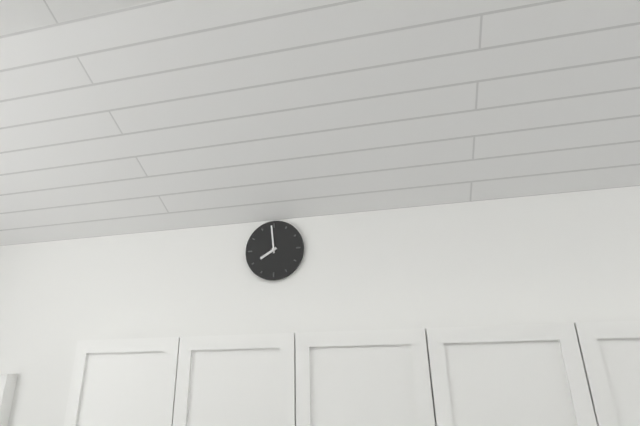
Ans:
h=7 m=59
